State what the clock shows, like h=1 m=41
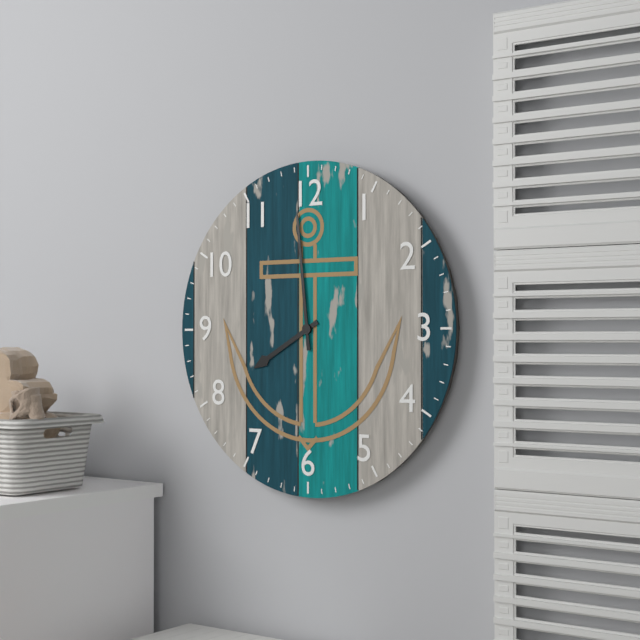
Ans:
h=7 m=59
